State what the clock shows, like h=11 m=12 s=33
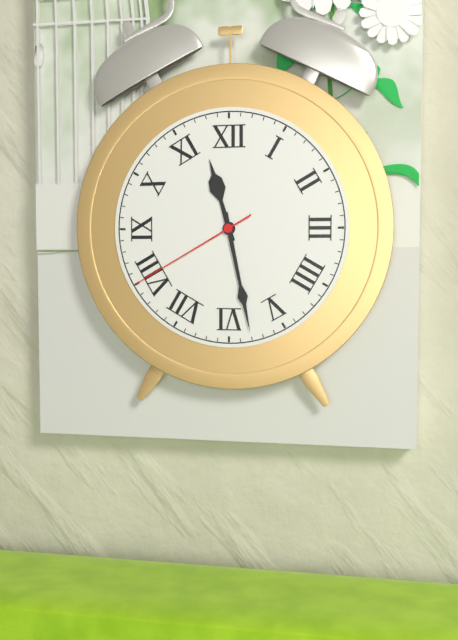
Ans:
h=11 m=28 s=40
